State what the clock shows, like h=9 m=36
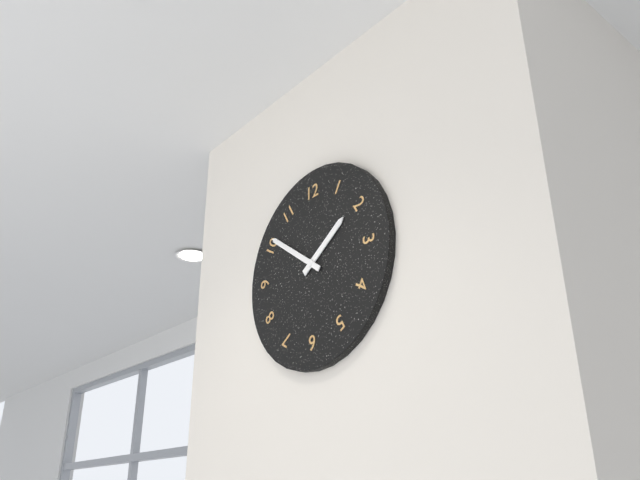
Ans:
h=1 m=51
